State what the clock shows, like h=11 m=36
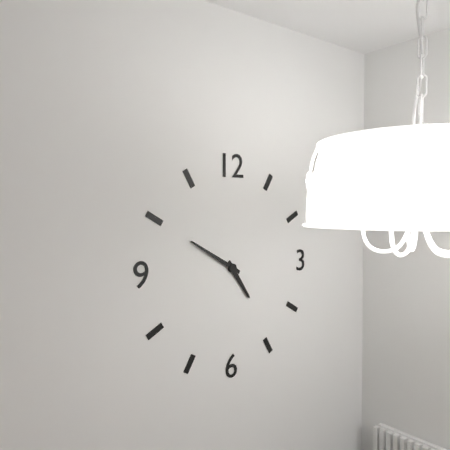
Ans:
h=4 m=50
